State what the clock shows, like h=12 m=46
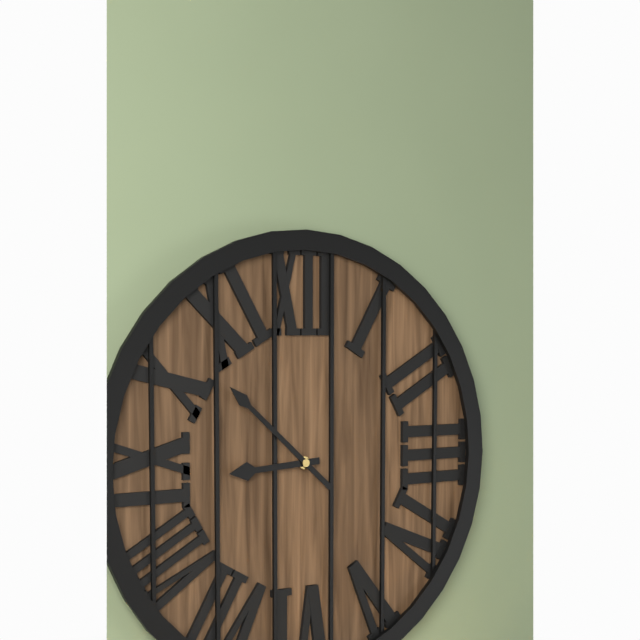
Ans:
h=8 m=52
